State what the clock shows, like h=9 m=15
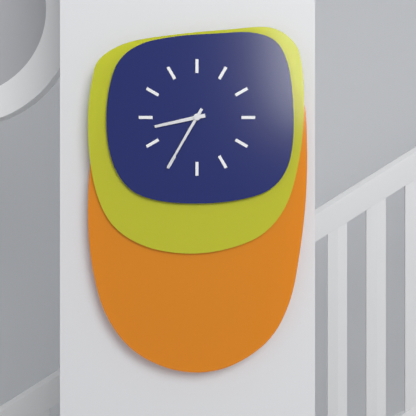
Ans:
h=8 m=35
